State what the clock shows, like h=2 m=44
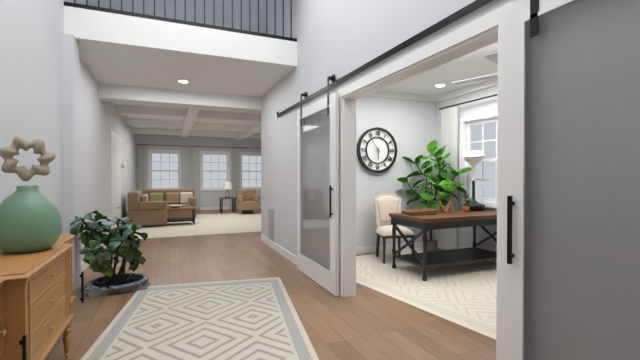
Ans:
h=5 m=54
